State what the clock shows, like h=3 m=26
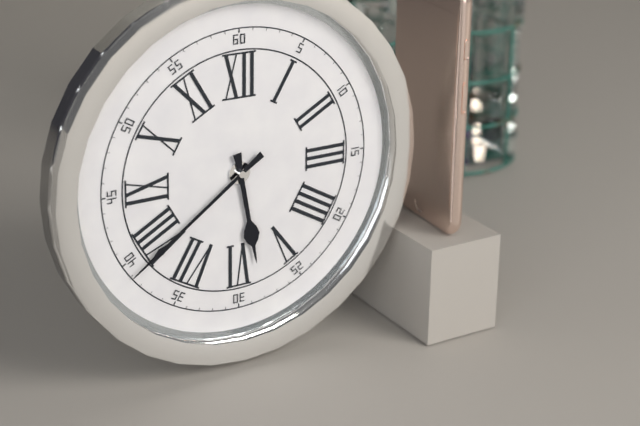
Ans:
h=5 m=39
